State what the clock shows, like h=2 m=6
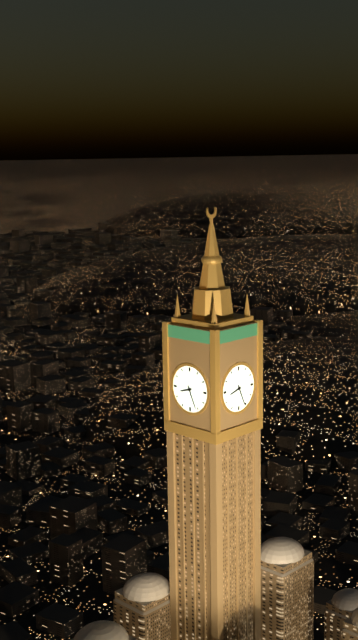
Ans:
h=8 m=26
